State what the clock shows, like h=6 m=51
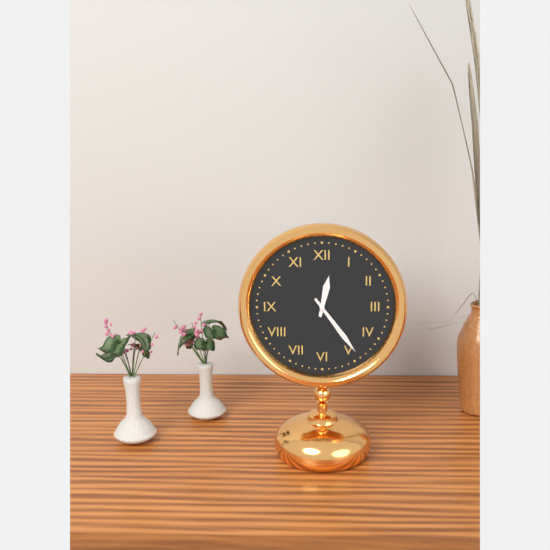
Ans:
h=12 m=24
